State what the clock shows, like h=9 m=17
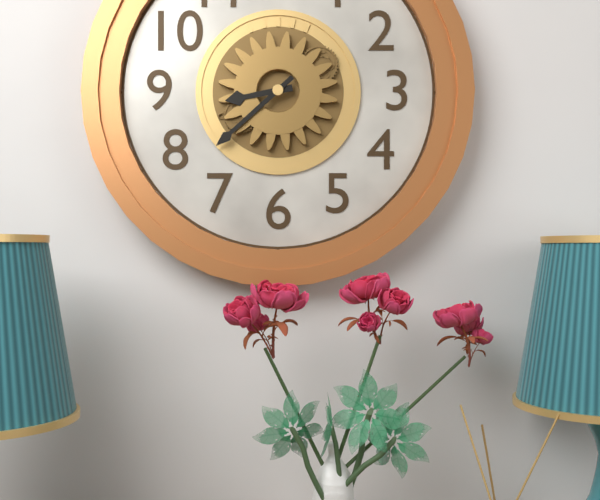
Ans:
h=8 m=38
